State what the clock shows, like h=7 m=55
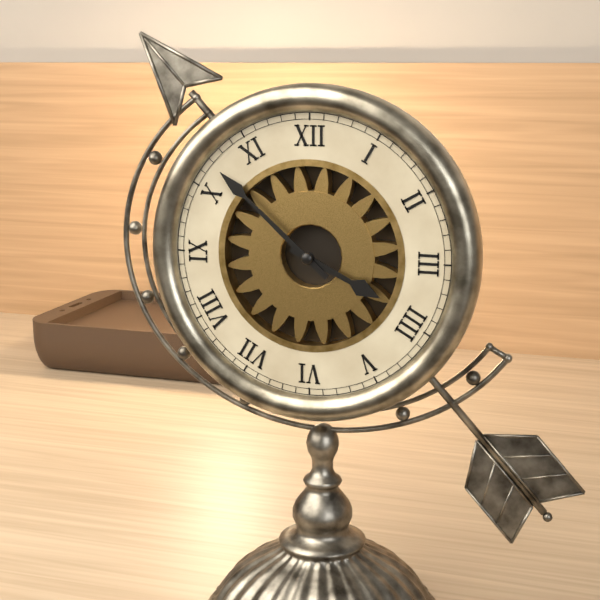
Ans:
h=3 m=52
